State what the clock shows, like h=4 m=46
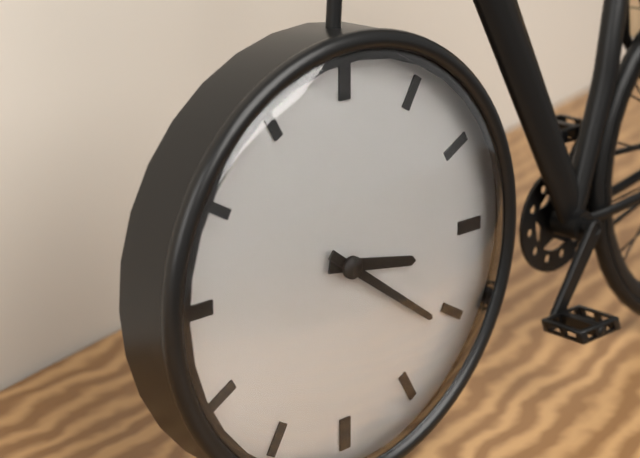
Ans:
h=3 m=21
